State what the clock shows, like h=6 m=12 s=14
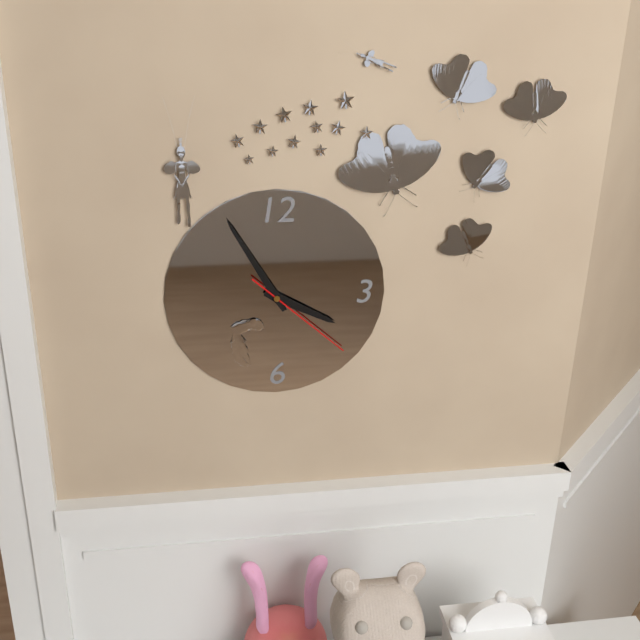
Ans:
h=3 m=55 s=22
